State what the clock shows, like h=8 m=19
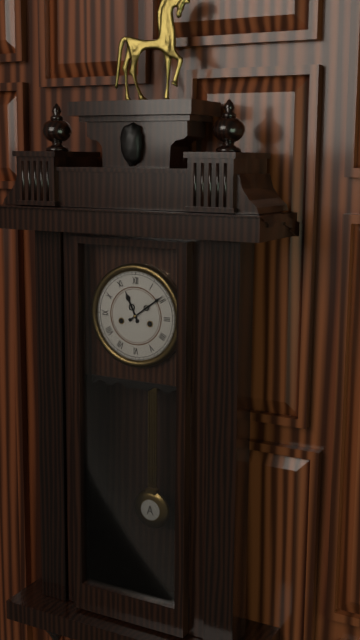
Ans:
h=11 m=9
